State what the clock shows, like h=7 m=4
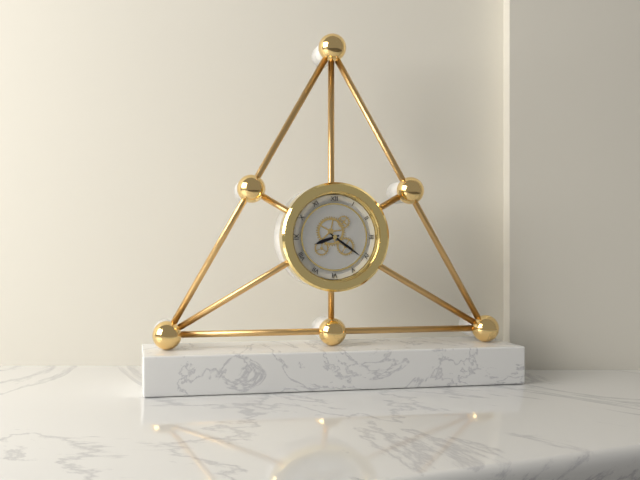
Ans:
h=8 m=21
